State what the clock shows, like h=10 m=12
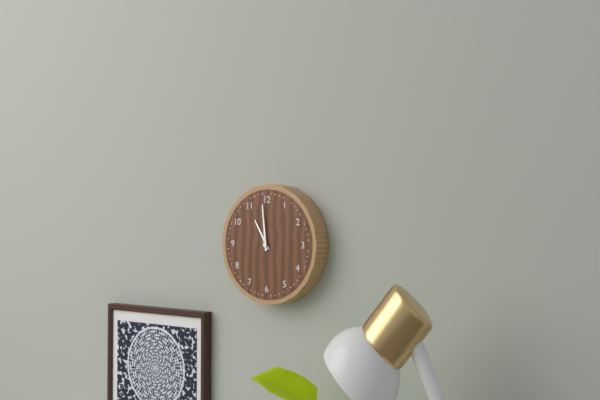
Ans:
h=10 m=59
